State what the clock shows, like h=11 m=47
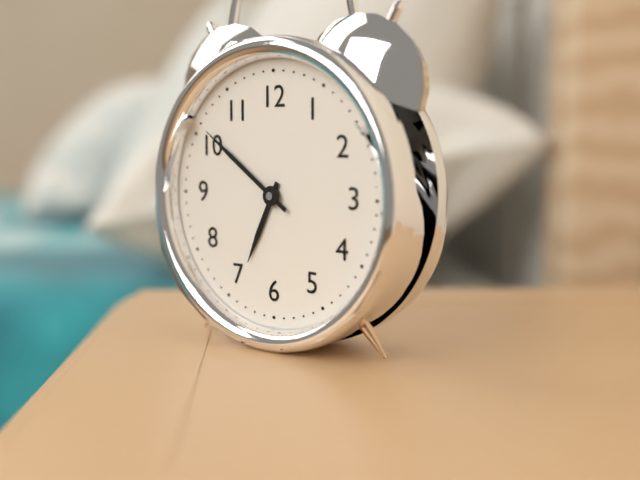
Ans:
h=6 m=51
